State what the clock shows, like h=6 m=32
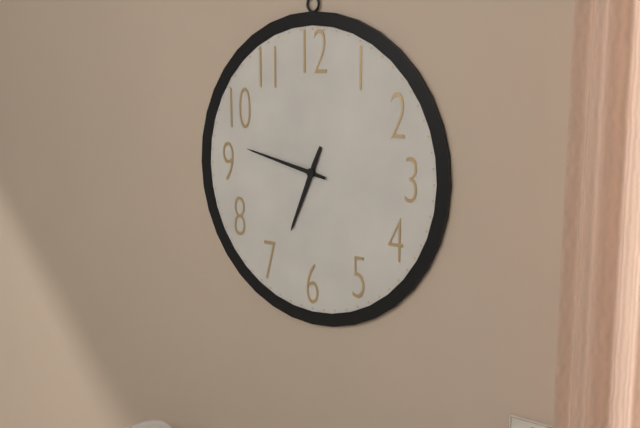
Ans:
h=6 m=47
